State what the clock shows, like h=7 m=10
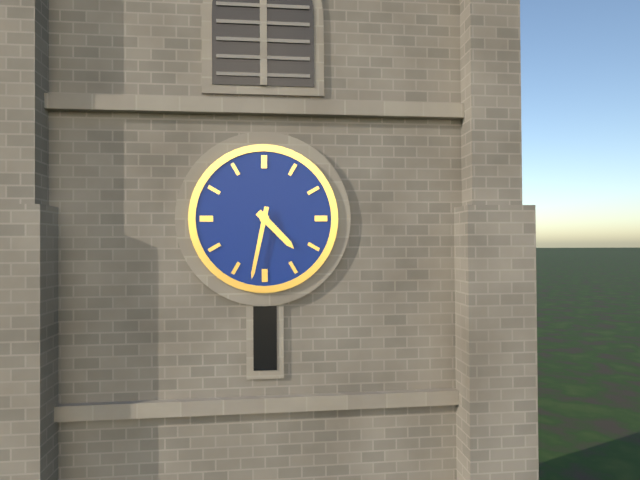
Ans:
h=4 m=32
